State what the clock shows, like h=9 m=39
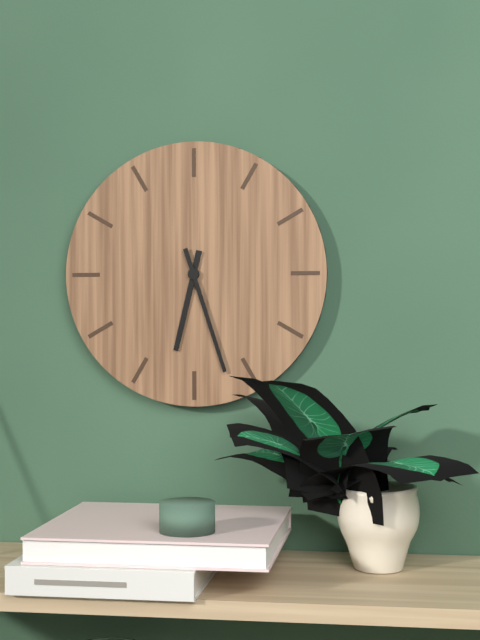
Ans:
h=6 m=27
